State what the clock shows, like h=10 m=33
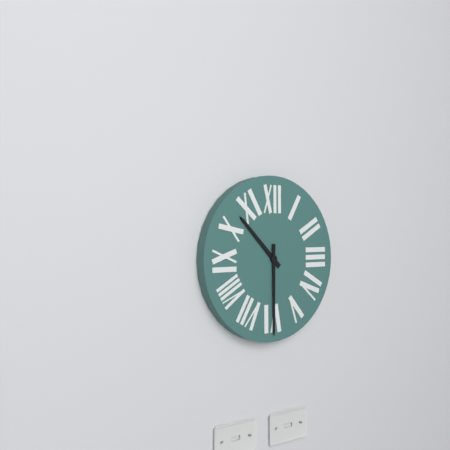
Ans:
h=10 m=30
